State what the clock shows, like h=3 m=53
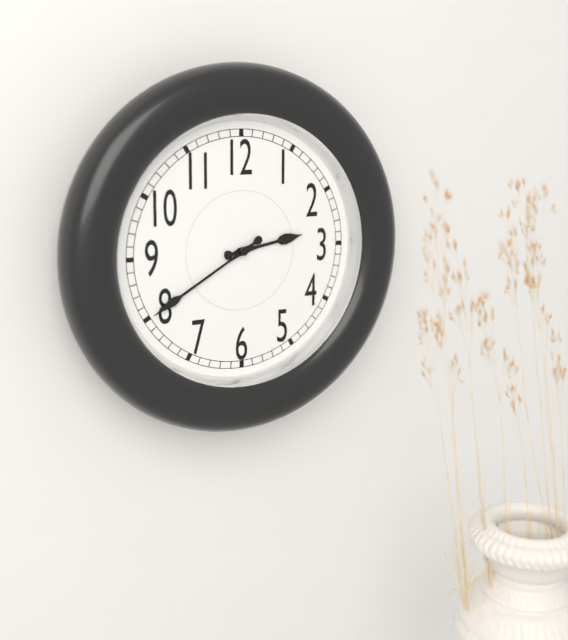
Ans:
h=2 m=40
